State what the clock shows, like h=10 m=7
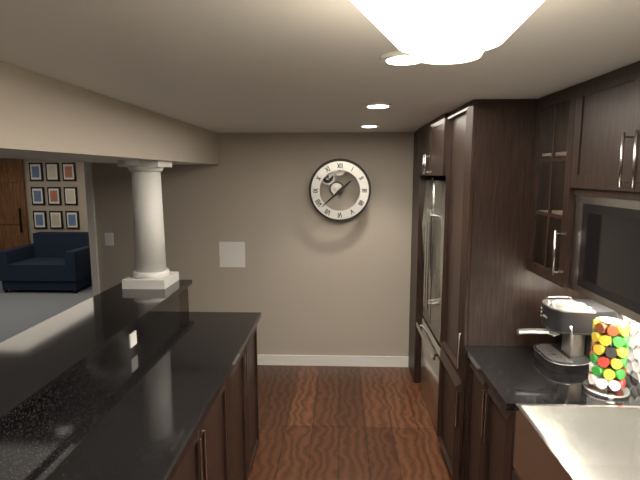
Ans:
h=1 m=38
